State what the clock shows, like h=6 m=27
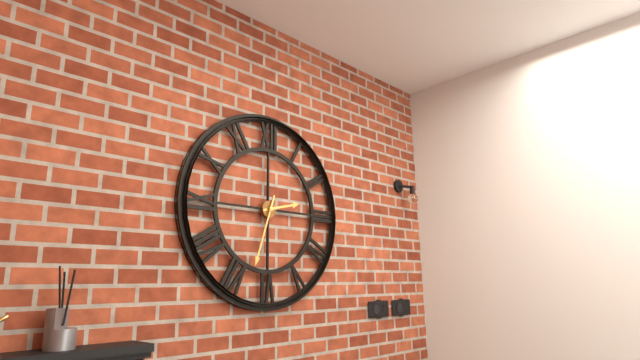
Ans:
h=2 m=33
